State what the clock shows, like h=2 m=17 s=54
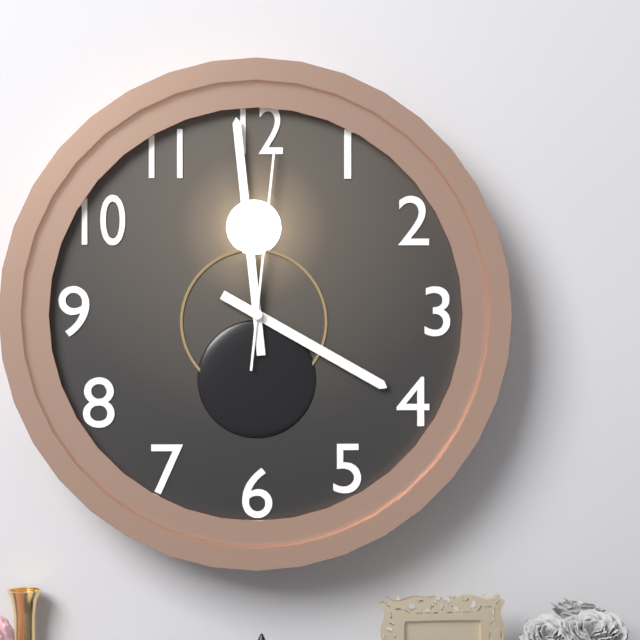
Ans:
h=3 m=59 s=1
